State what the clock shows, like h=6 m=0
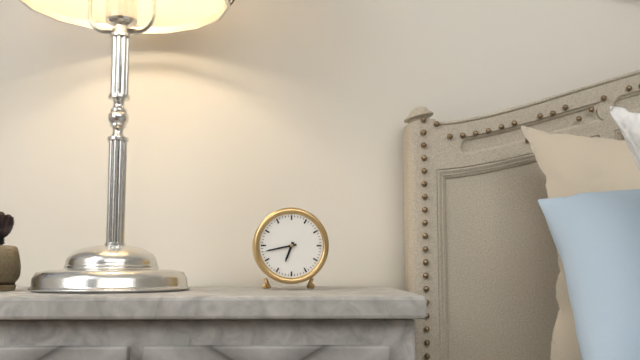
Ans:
h=6 m=43
